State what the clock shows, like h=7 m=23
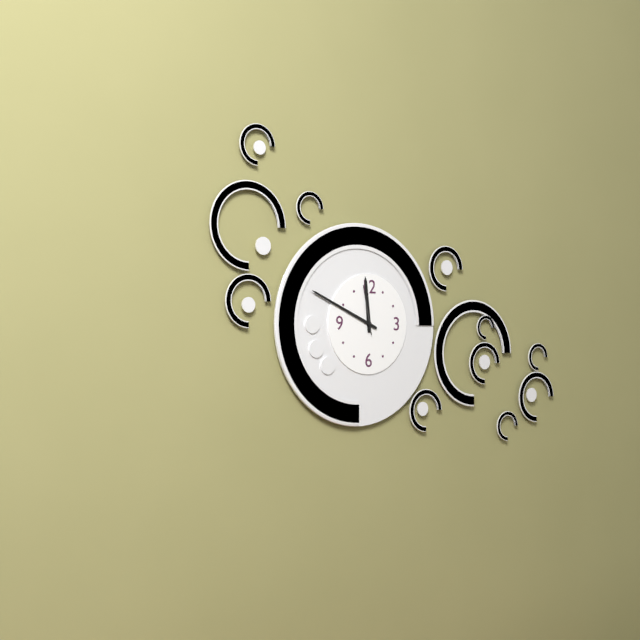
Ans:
h=11 m=49
